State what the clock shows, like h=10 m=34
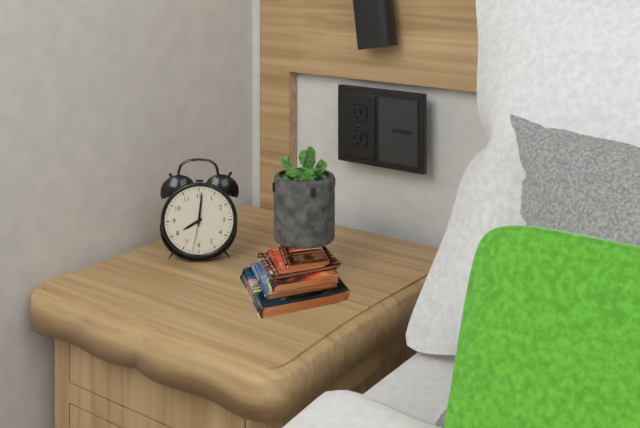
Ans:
h=8 m=1
